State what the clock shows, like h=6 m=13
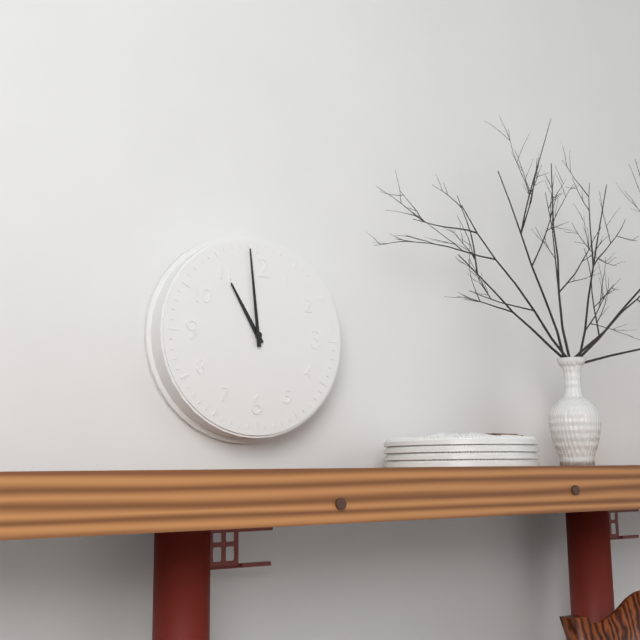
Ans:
h=10 m=59
